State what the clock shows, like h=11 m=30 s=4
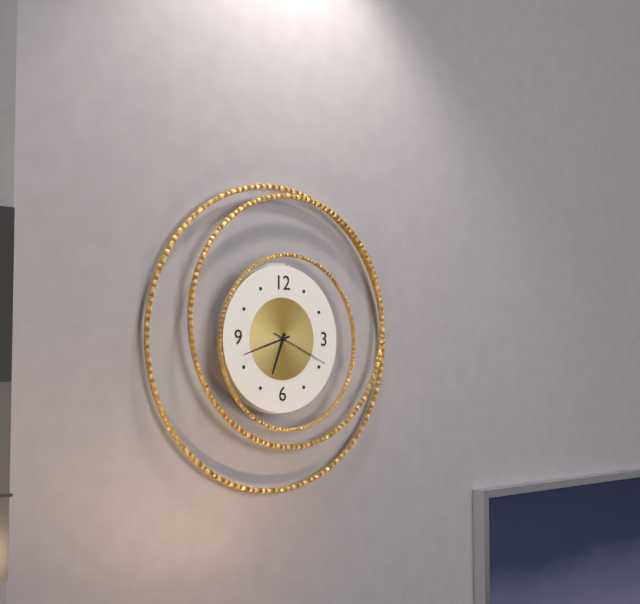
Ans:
h=6 m=42 s=19
